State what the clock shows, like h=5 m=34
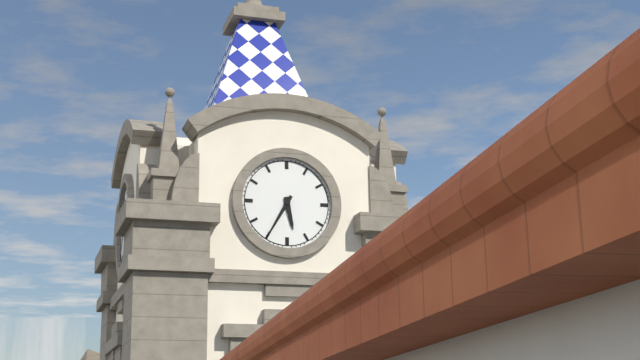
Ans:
h=5 m=35
